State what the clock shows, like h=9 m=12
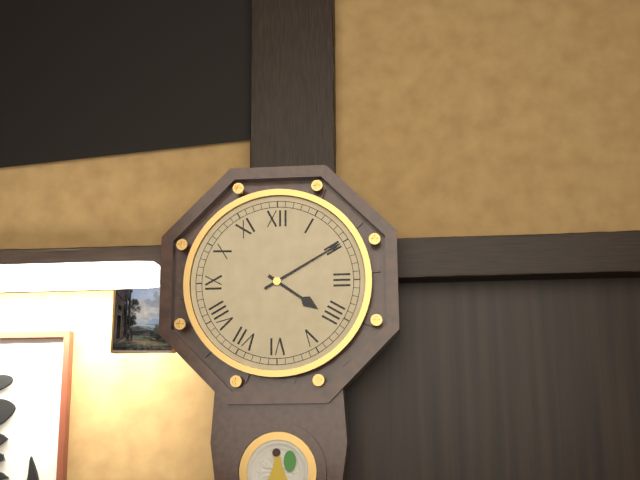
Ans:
h=4 m=10
